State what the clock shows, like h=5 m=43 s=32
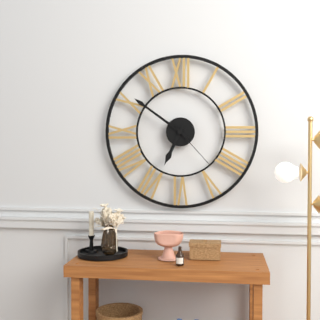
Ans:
h=6 m=51 s=23
